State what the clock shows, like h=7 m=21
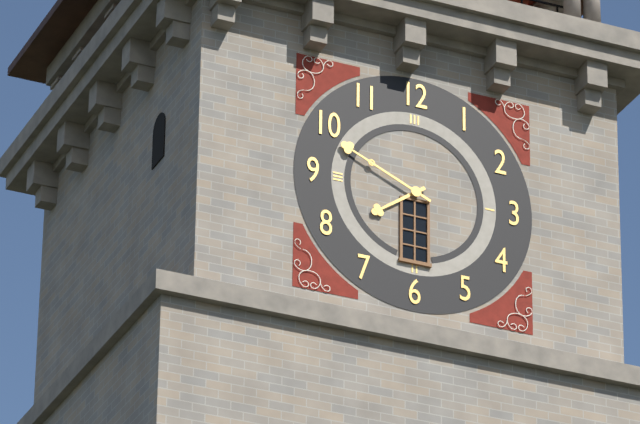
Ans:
h=7 m=49
